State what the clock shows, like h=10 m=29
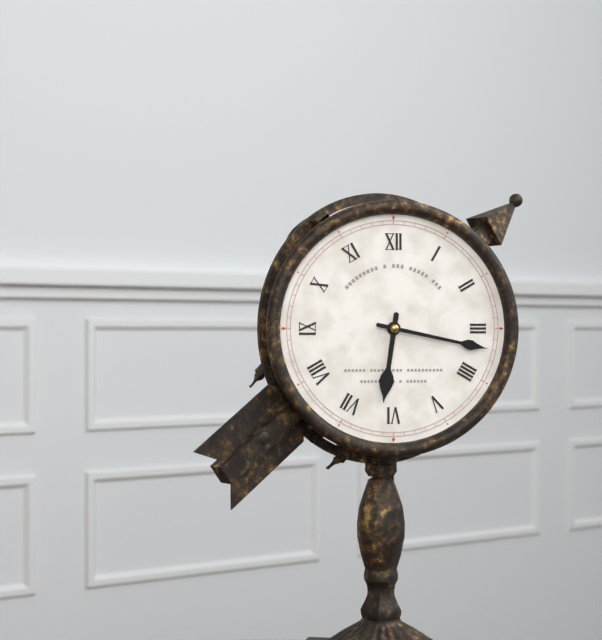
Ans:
h=6 m=17
